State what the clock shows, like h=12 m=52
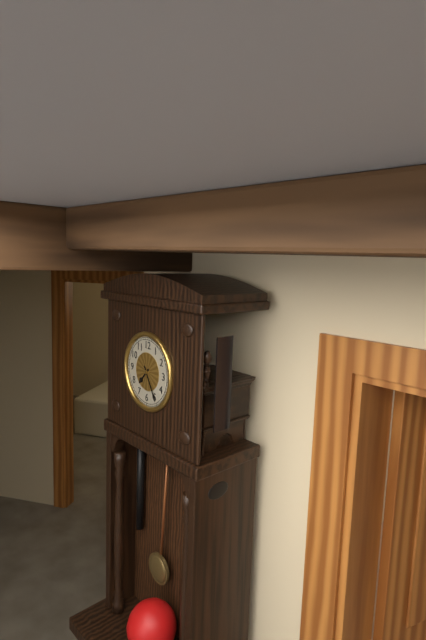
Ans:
h=7 m=25
